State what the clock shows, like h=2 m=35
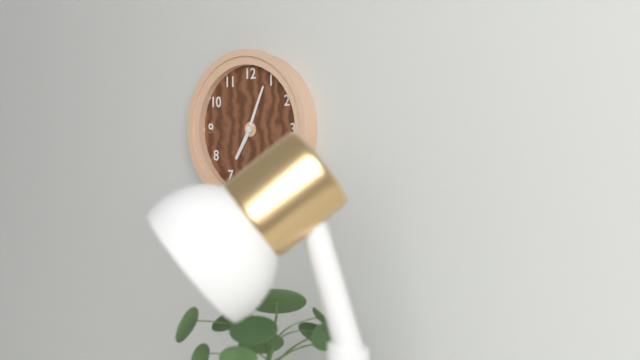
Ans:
h=7 m=4
